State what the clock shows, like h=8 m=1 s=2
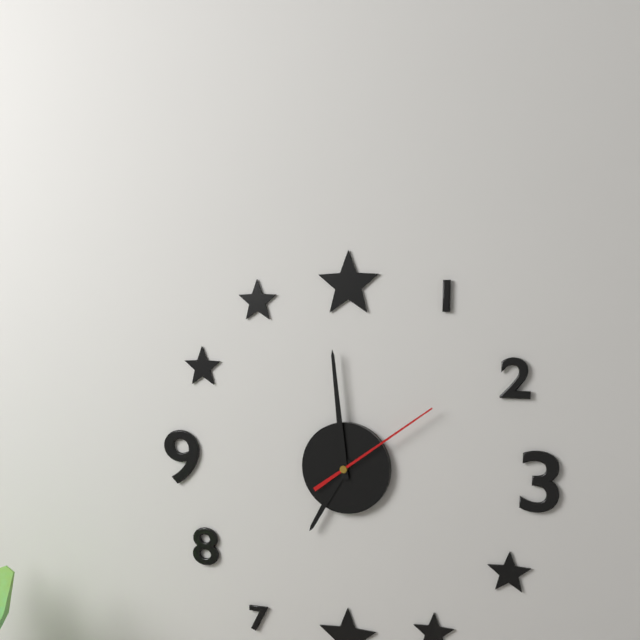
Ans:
h=6 m=59 s=9
